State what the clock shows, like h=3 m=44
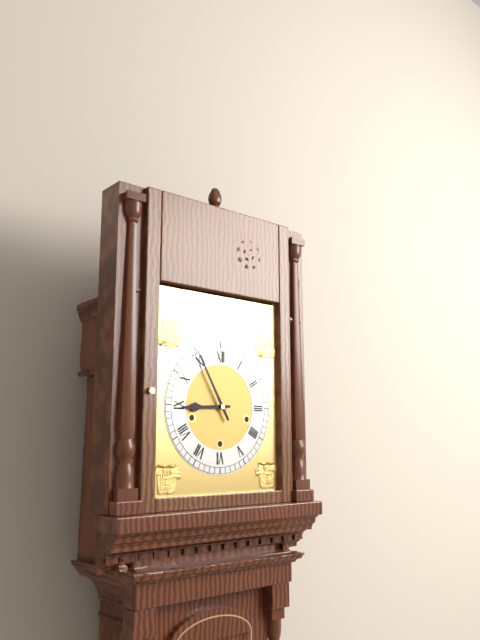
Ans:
h=8 m=55
